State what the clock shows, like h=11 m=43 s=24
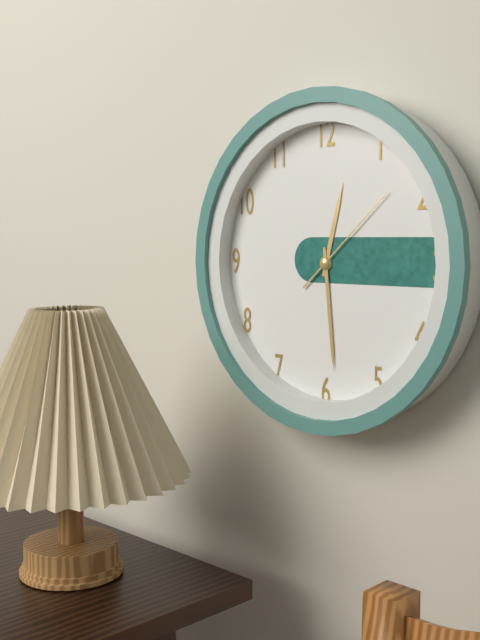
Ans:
h=12 m=29 s=8
